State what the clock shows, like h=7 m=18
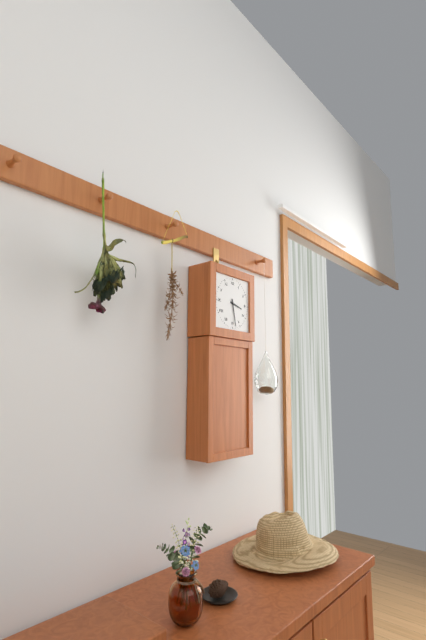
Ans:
h=3 m=28
